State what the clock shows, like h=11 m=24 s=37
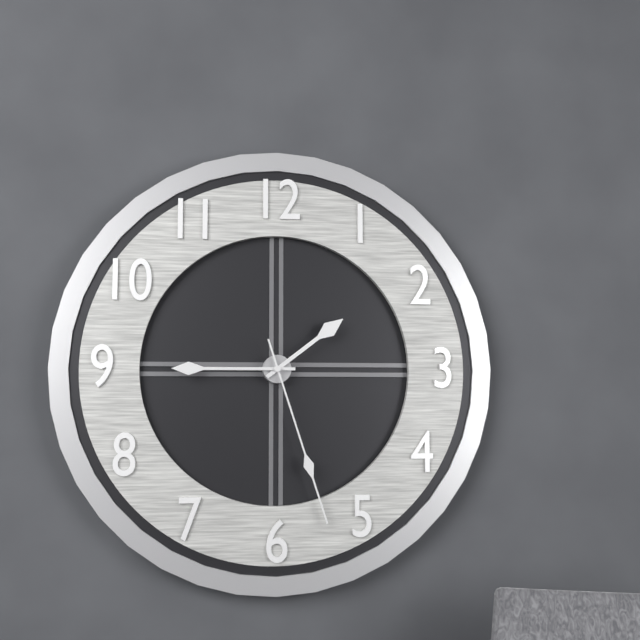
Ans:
h=1 m=45 s=27
